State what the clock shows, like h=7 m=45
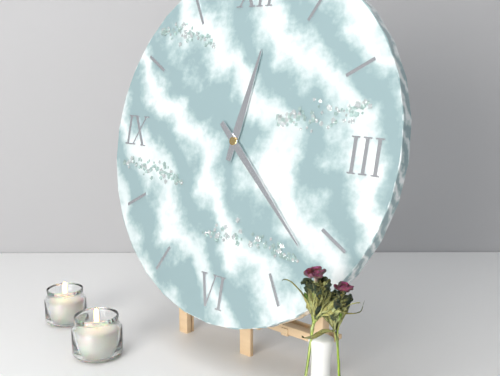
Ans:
h=12 m=22
